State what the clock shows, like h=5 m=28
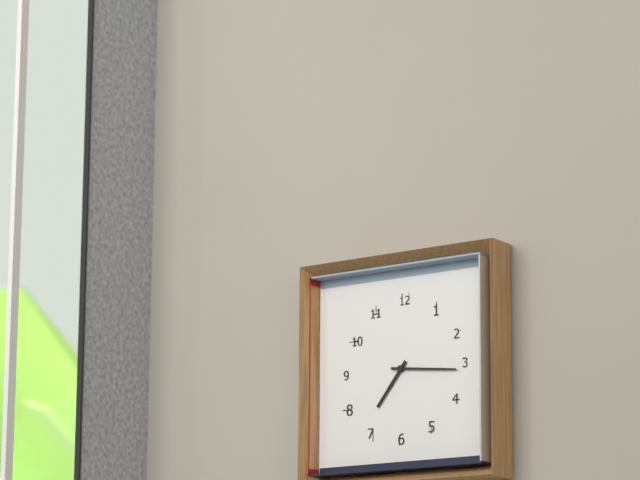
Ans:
h=7 m=16
